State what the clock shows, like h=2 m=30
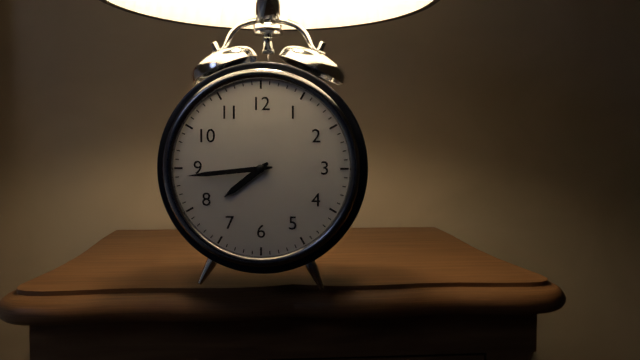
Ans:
h=7 m=44
